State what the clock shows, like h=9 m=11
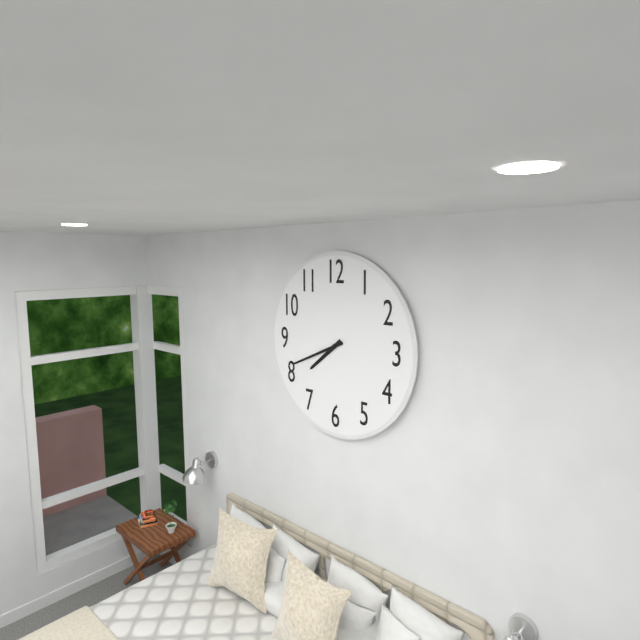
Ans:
h=7 m=41
